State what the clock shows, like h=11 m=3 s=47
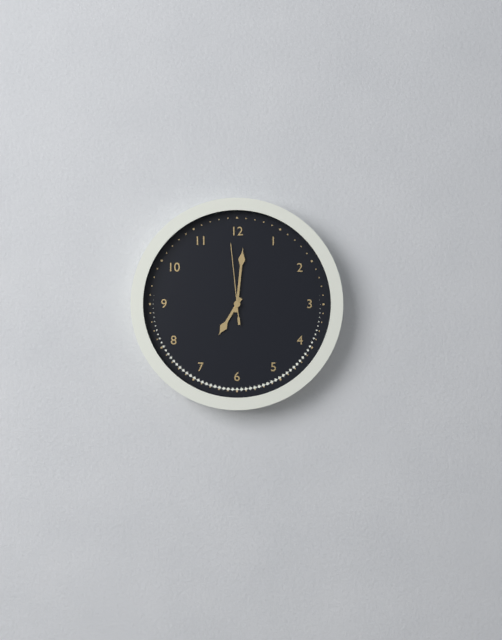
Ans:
h=7 m=1 s=59
